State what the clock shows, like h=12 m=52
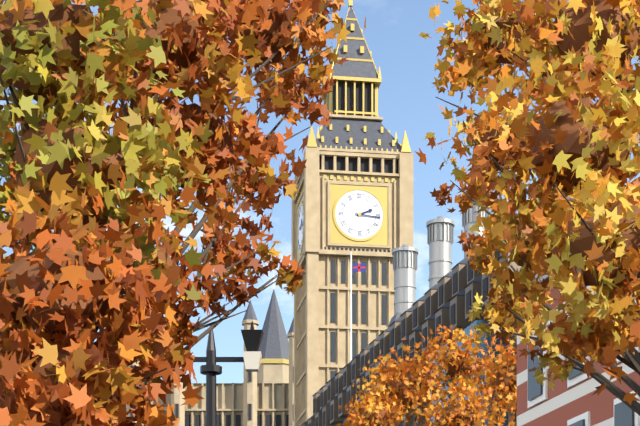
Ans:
h=2 m=16
